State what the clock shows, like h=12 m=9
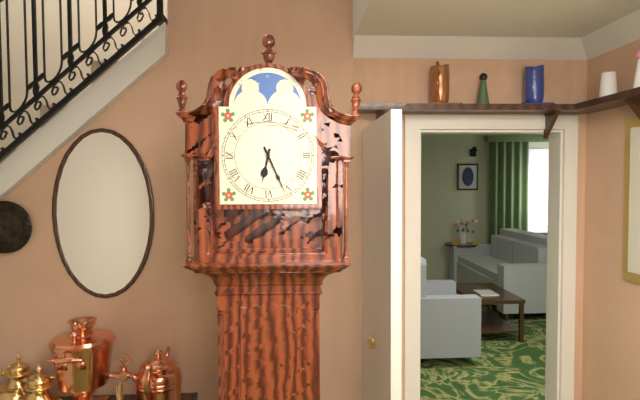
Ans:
h=6 m=26
